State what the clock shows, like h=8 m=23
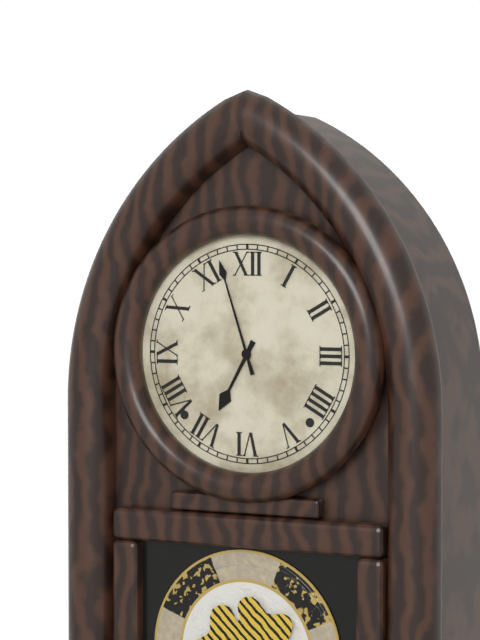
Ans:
h=6 m=57
